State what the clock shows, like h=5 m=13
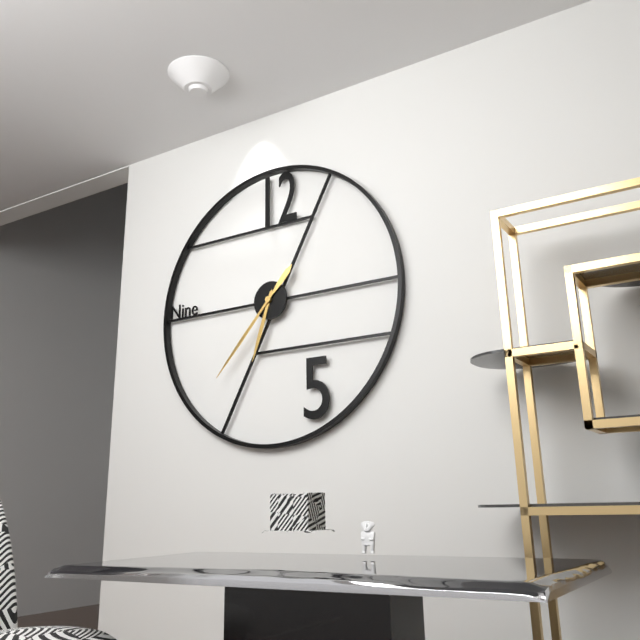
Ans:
h=6 m=37
